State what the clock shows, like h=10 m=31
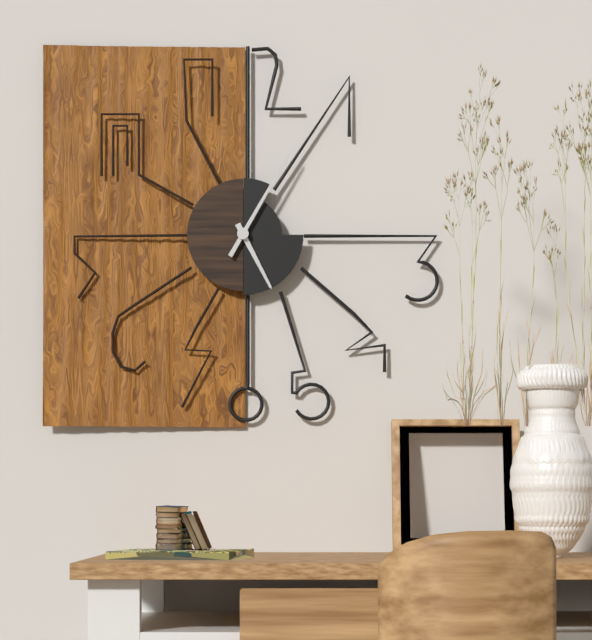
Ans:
h=5 m=5
